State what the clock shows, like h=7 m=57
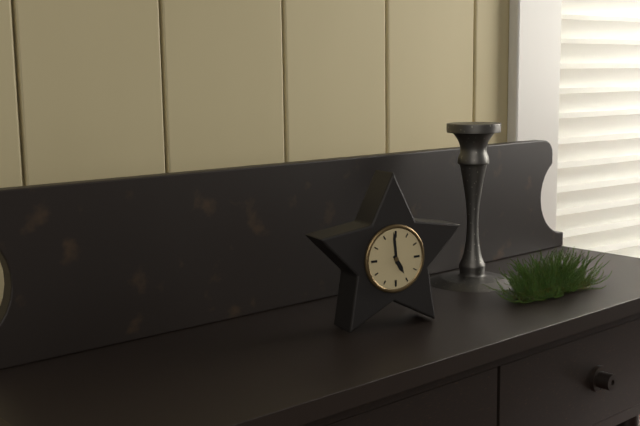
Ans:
h=4 m=59
